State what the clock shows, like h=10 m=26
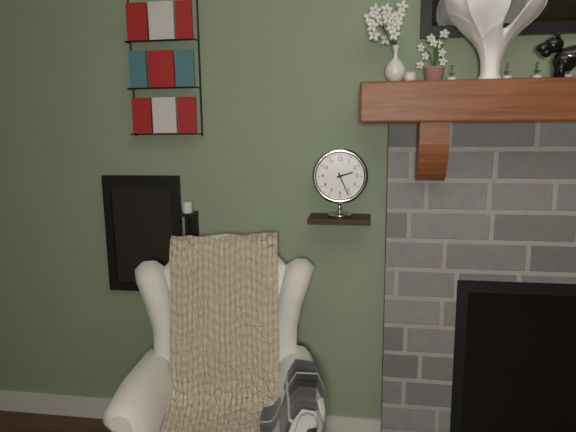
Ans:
h=2 m=26
